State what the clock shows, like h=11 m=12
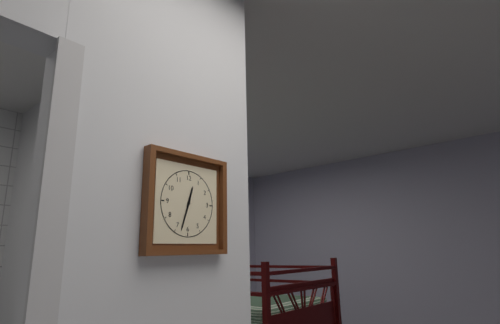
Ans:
h=12 m=33
